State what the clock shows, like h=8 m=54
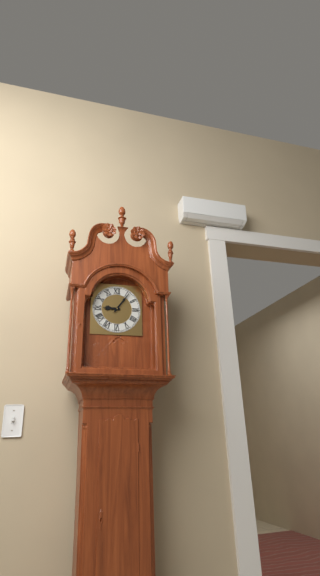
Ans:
h=9 m=6
